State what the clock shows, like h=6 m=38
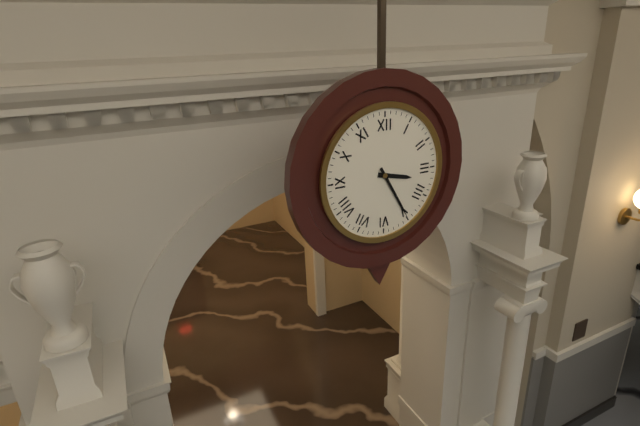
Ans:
h=3 m=25
